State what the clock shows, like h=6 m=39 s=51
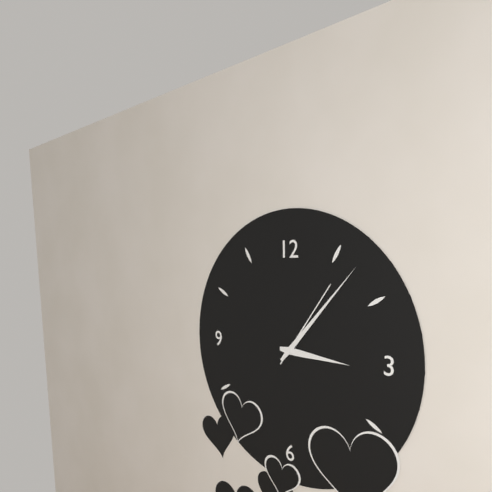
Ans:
h=3 m=7 s=6
